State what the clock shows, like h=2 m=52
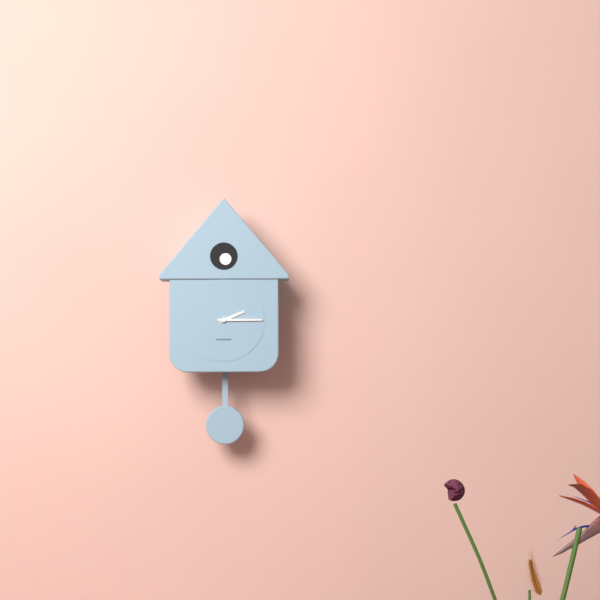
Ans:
h=2 m=15
